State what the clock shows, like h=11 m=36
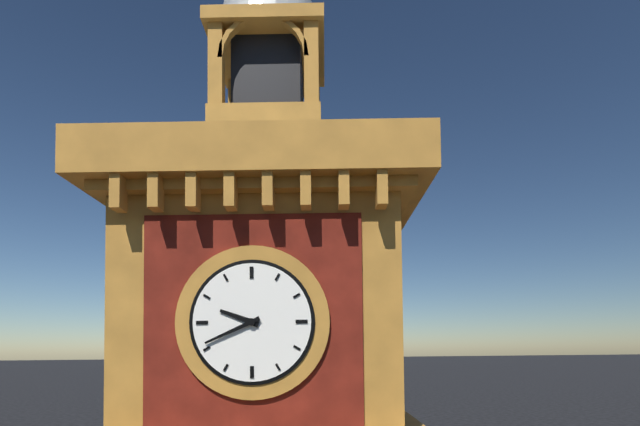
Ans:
h=9 m=41
